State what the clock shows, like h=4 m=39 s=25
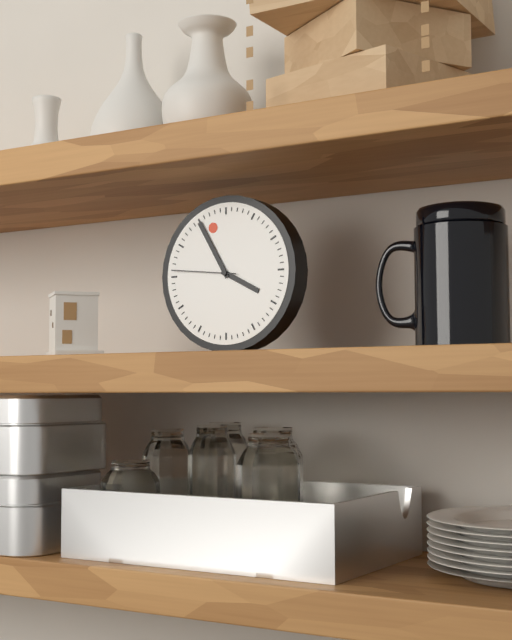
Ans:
h=3 m=55 s=46
